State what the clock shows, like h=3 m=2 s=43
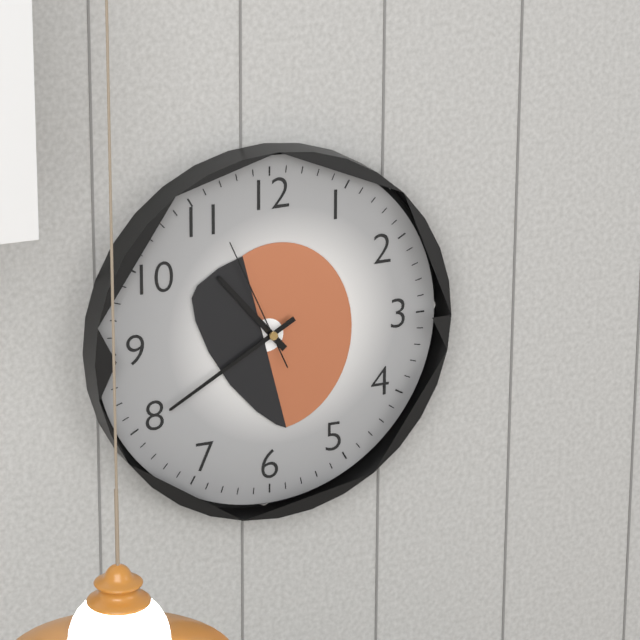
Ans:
h=10 m=40 s=56
